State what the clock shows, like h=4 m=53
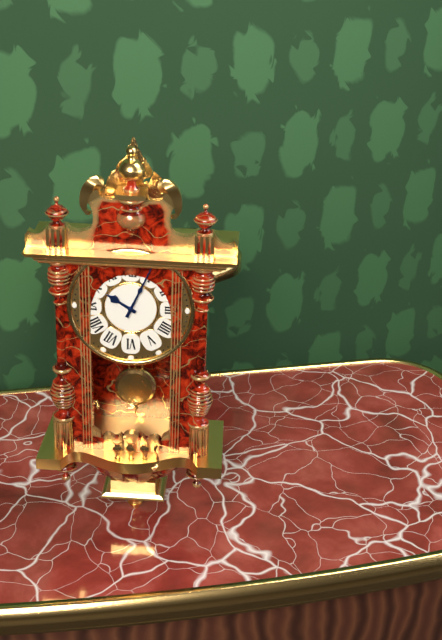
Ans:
h=10 m=4
